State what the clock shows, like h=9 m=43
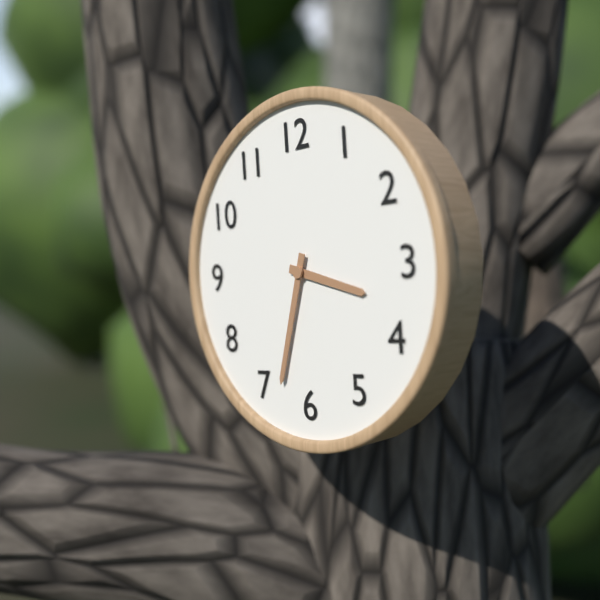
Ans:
h=3 m=33
